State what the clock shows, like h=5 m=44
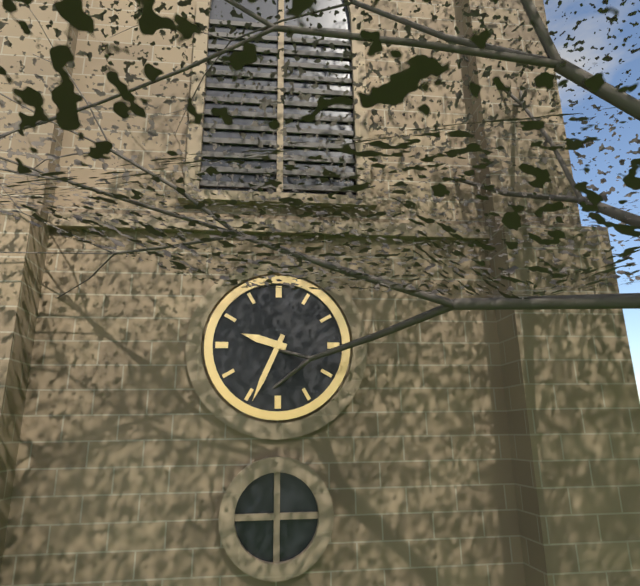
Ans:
h=9 m=34
